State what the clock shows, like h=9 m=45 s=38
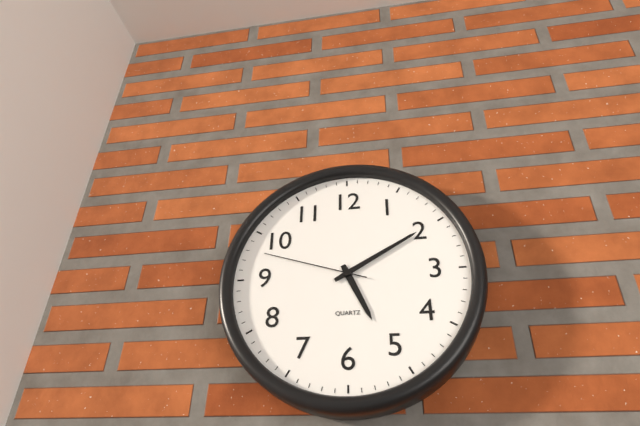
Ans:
h=5 m=10 s=48
